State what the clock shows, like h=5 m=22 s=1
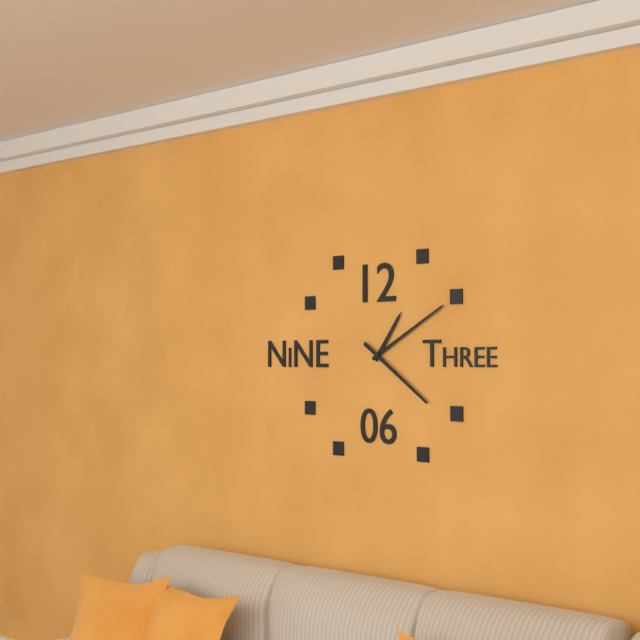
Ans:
h=1 m=10 s=21
